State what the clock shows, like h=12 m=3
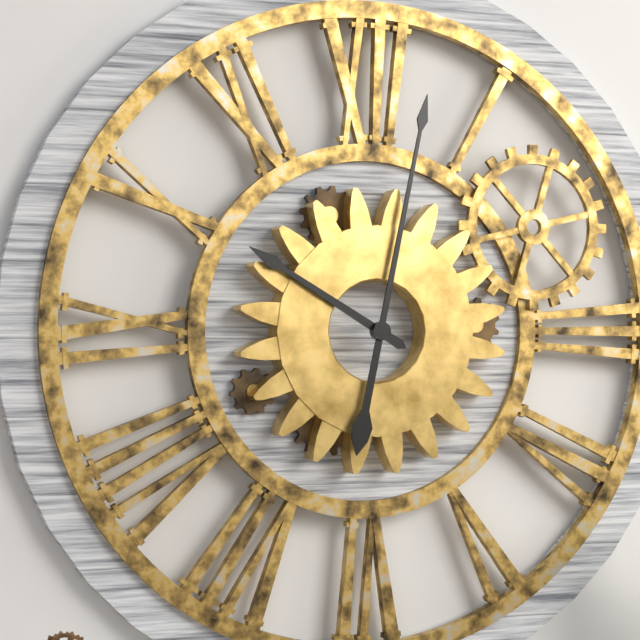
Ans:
h=10 m=2
